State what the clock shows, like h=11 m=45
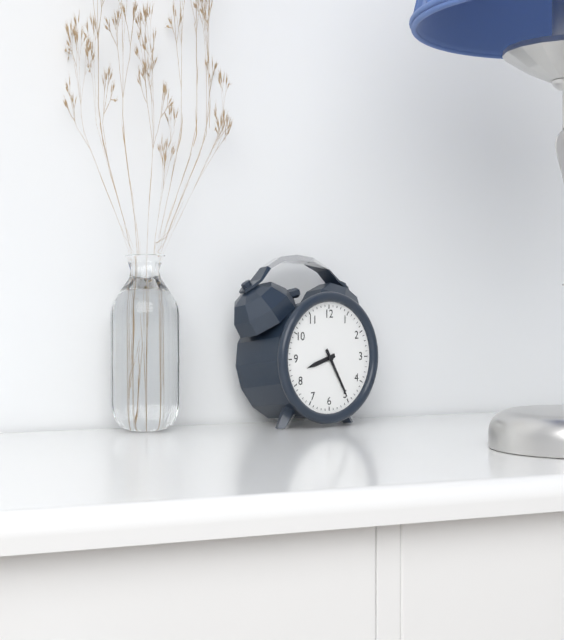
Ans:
h=8 m=25
